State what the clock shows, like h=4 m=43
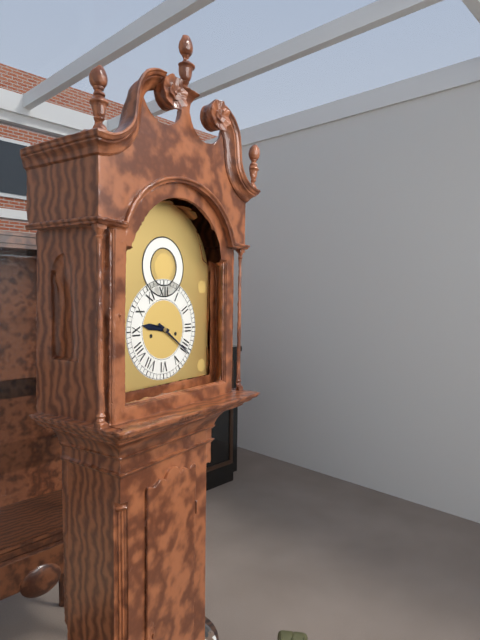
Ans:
h=9 m=21
